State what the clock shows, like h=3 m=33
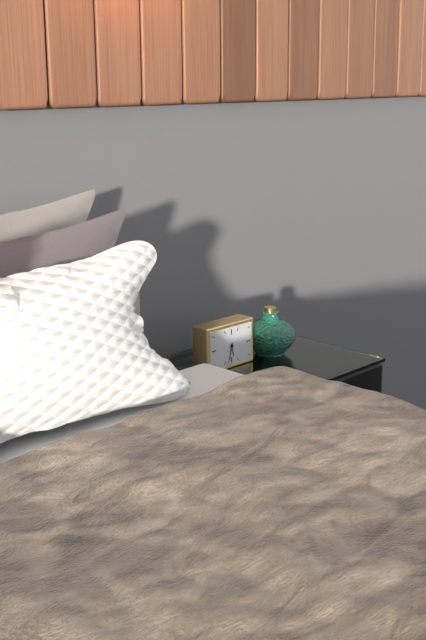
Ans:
h=5 m=33
